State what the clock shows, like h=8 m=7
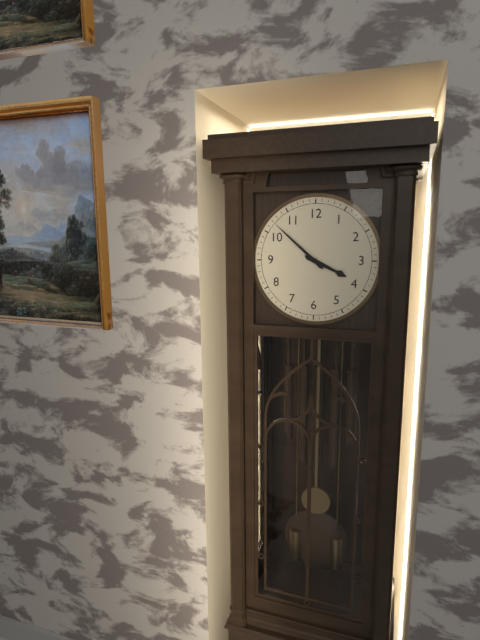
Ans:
h=3 m=52
